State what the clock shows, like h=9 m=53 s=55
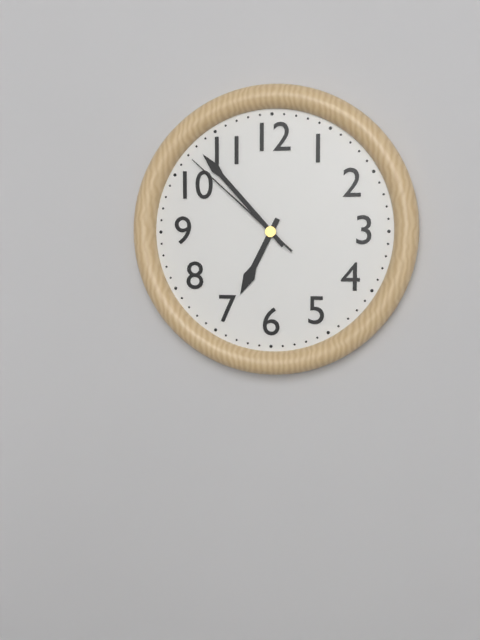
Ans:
h=6 m=53 s=52
